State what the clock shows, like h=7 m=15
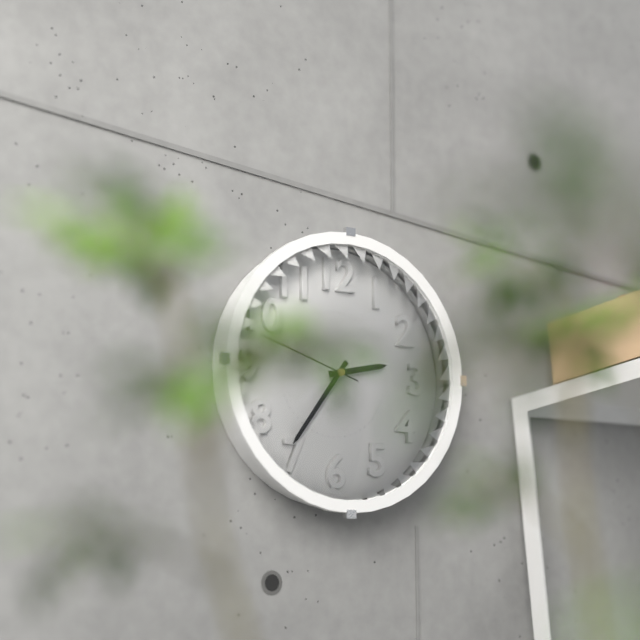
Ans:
h=2 m=36
